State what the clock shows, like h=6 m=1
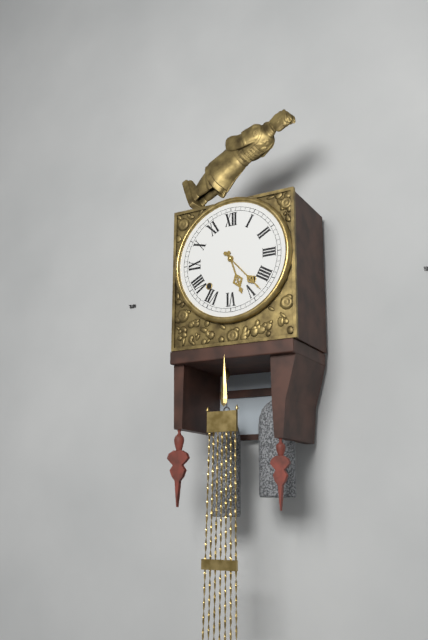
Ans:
h=5 m=23
